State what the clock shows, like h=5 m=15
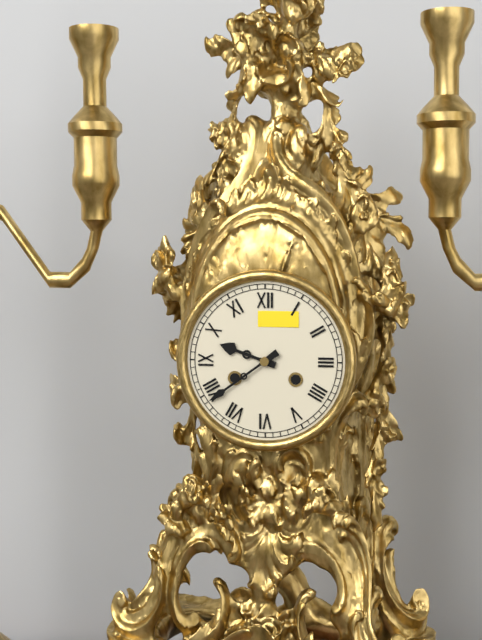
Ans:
h=9 m=39
